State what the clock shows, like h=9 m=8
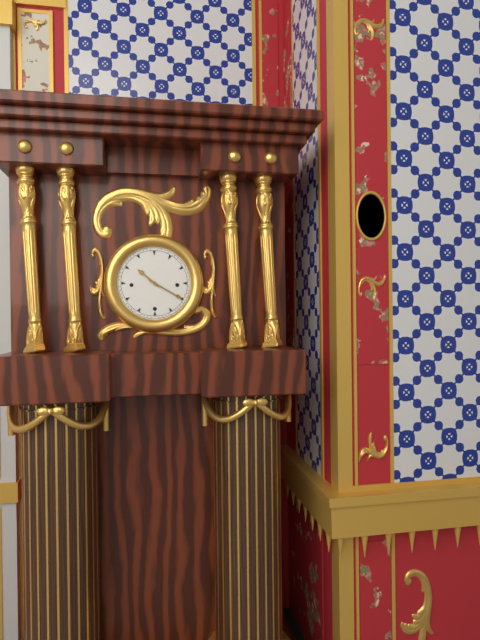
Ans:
h=10 m=20
